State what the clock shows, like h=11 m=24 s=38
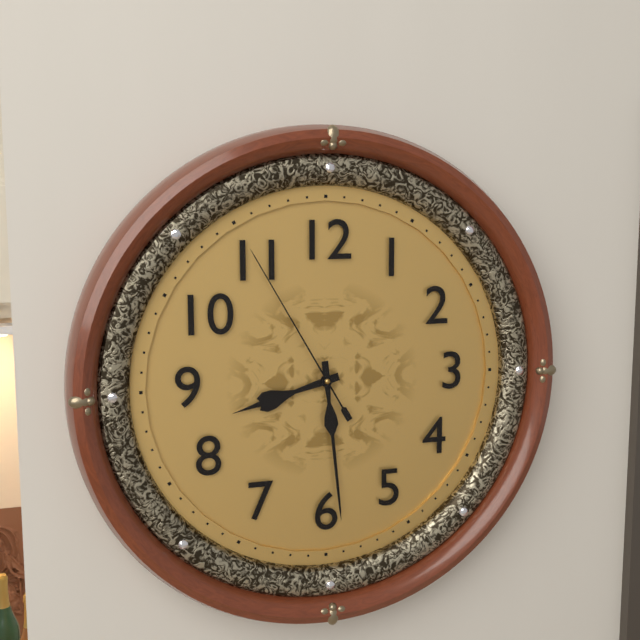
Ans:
h=8 m=29 s=55
